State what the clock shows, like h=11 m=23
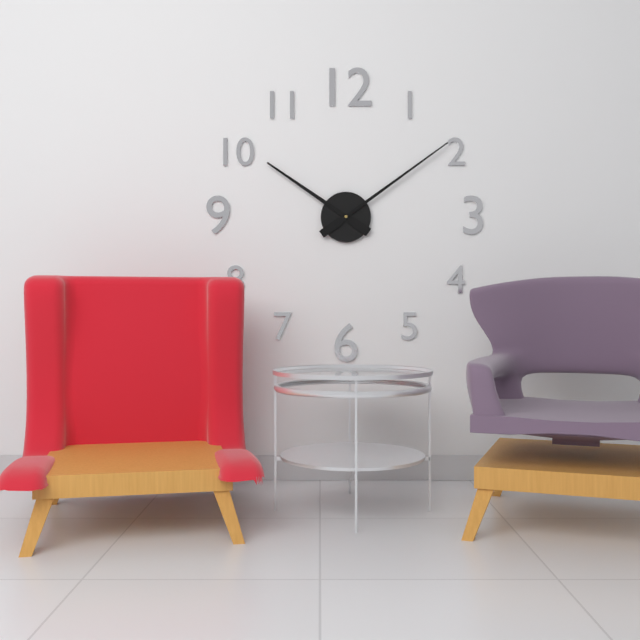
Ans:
h=10 m=9
